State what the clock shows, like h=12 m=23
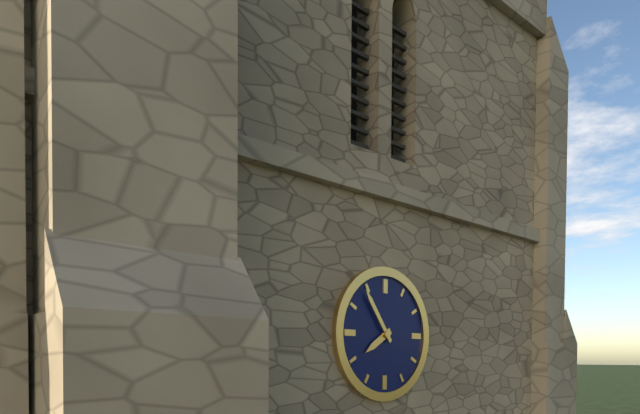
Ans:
h=7 m=54
